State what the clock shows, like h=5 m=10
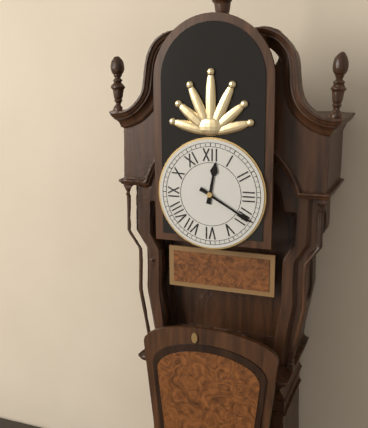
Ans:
h=12 m=20
